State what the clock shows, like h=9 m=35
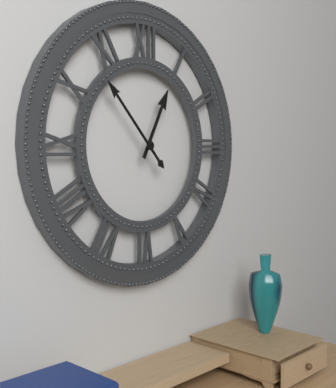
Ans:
h=12 m=53
